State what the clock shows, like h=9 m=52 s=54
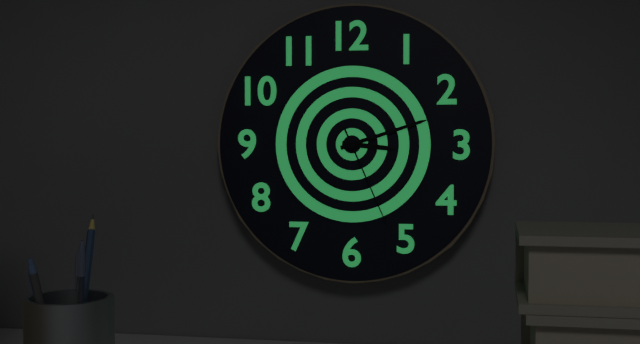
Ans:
h=3 m=12 s=26
